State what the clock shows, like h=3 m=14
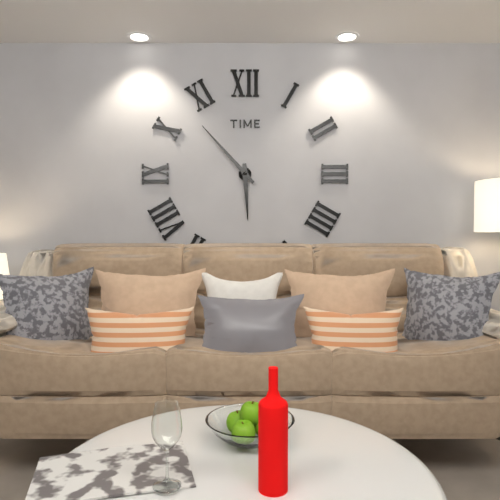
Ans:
h=5 m=53
